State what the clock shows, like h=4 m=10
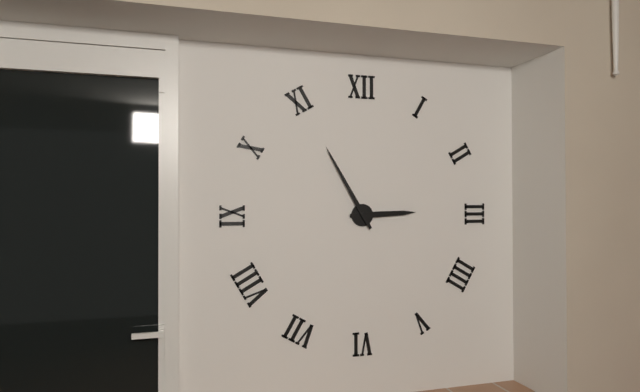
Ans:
h=2 m=55
